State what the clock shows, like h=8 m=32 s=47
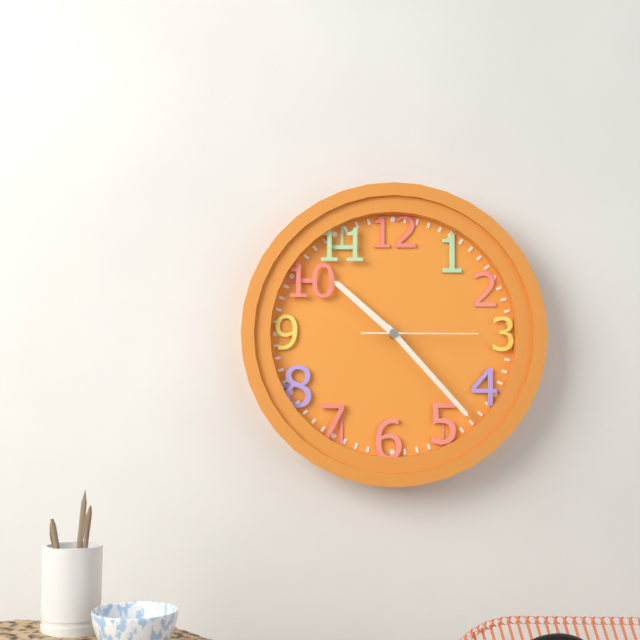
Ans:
h=10 m=23 s=15
